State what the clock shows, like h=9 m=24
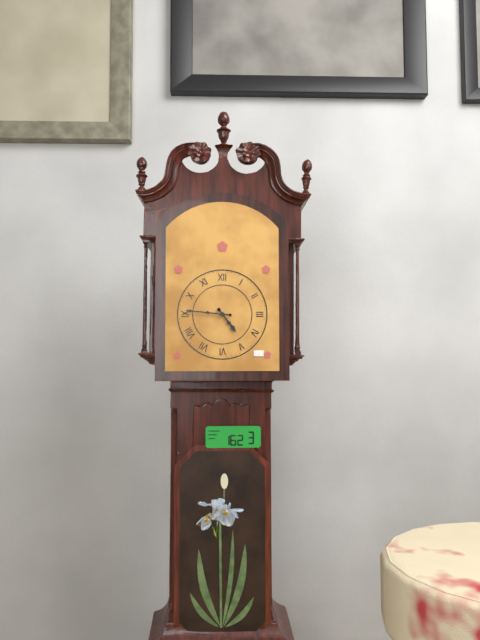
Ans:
h=4 m=46
